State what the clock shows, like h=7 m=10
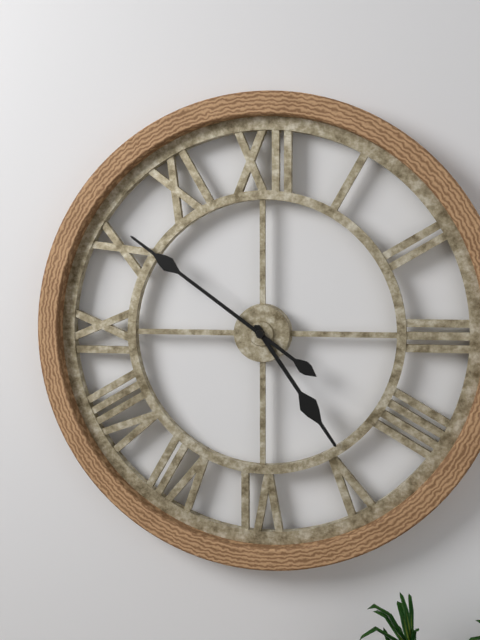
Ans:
h=4 m=51
